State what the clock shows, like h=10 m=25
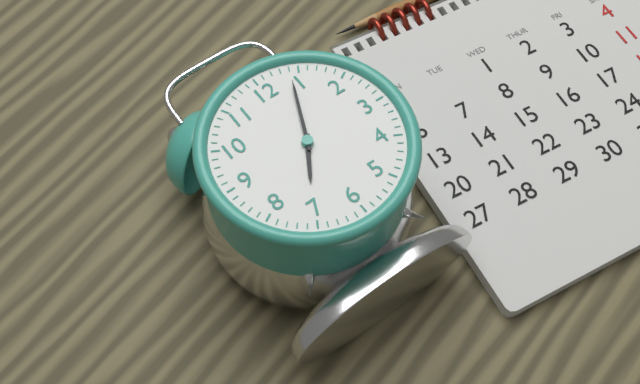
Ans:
h=7 m=4
